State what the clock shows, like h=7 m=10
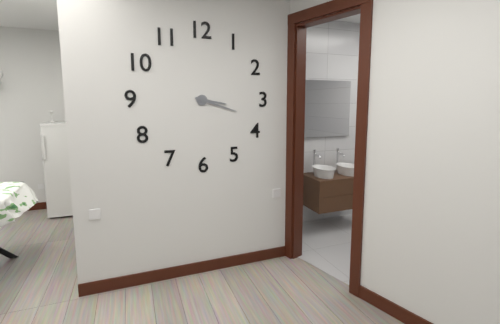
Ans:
h=3 m=18
